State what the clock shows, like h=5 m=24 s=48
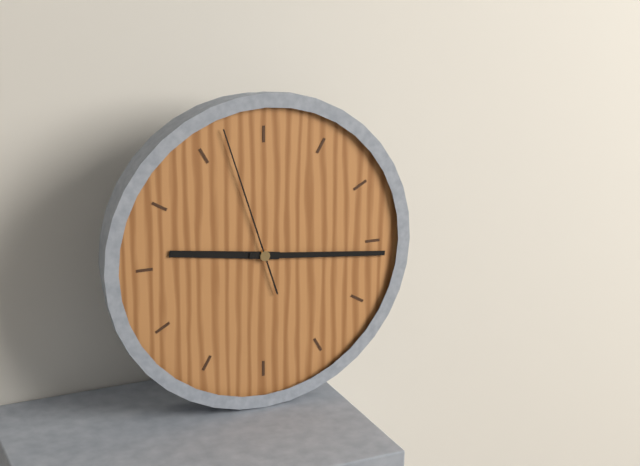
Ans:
h=9 m=16 s=57
